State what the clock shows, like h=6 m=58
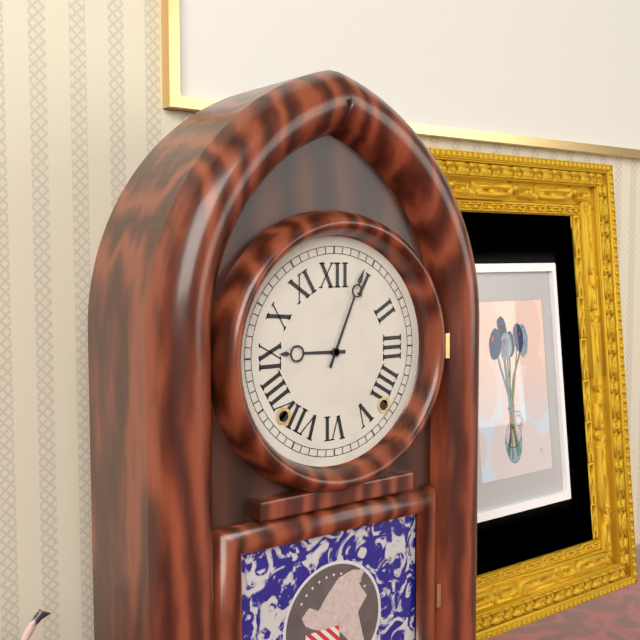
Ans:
h=9 m=4
